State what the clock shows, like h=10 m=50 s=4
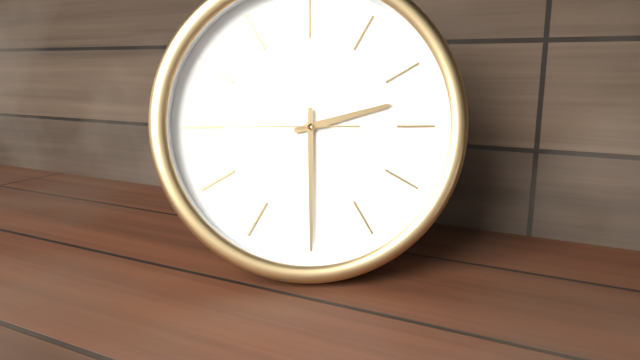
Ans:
h=2 m=30 s=45
